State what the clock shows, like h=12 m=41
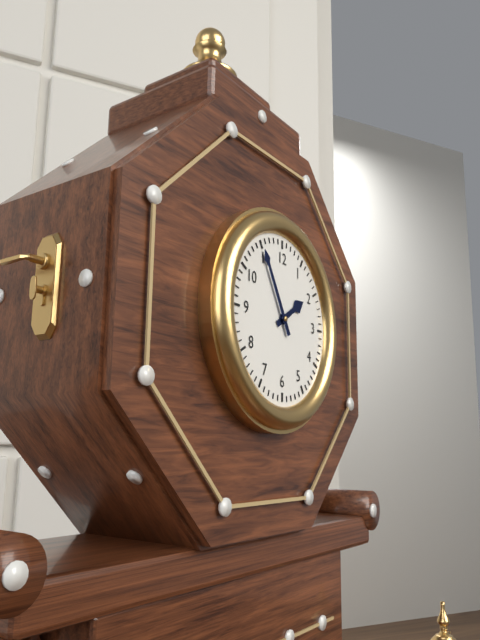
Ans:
h=1 m=55
